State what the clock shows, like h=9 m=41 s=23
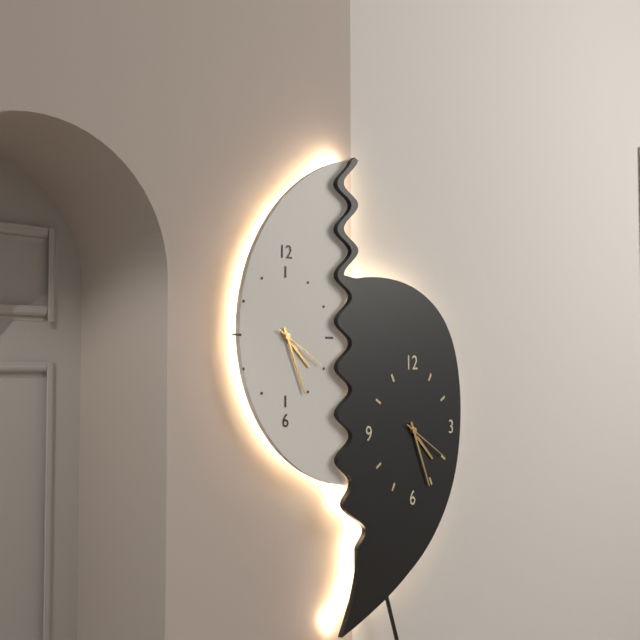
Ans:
h=4 m=26 s=20
